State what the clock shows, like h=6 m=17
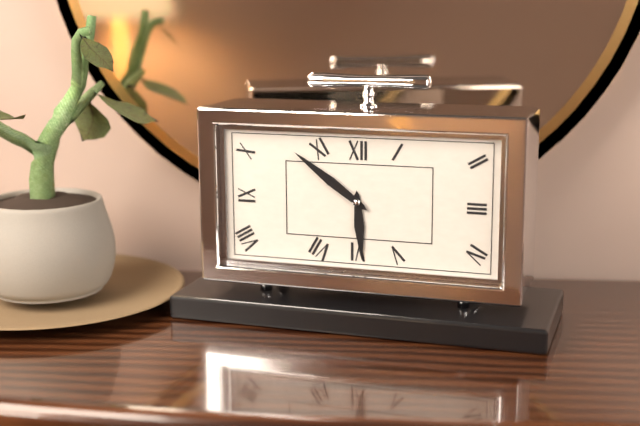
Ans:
h=5 m=51
